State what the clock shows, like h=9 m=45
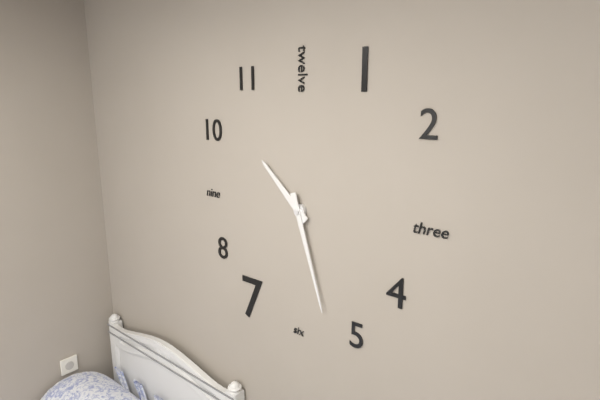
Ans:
h=10 m=27
